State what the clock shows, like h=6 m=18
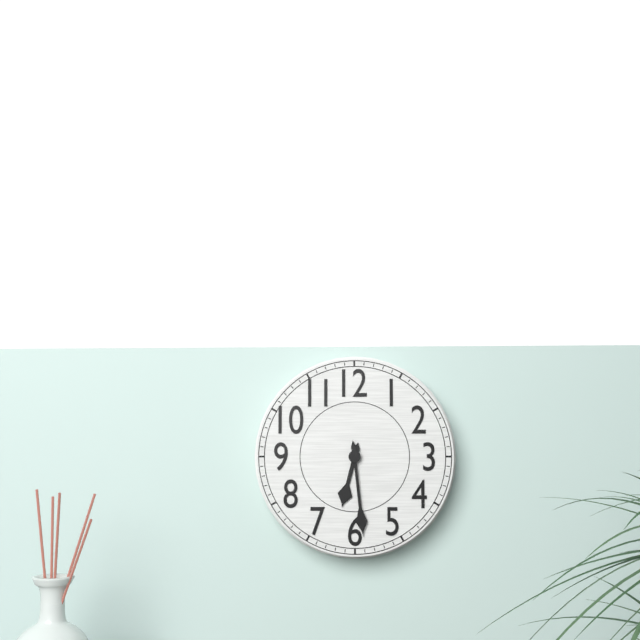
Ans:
h=6 m=29
